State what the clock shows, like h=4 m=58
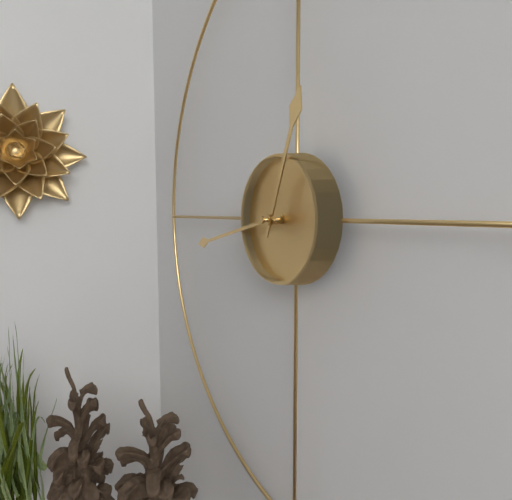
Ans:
h=12 m=43
